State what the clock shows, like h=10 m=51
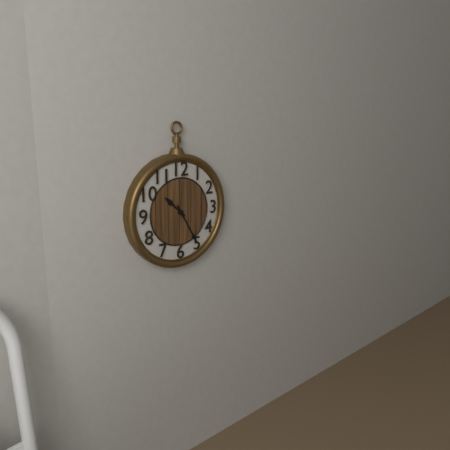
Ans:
h=10 m=25
